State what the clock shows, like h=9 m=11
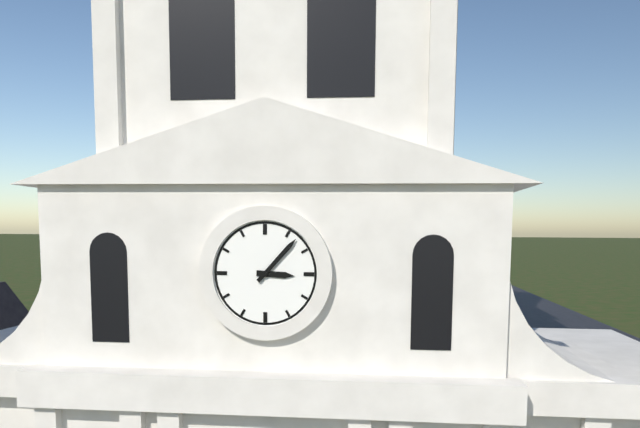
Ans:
h=3 m=7
